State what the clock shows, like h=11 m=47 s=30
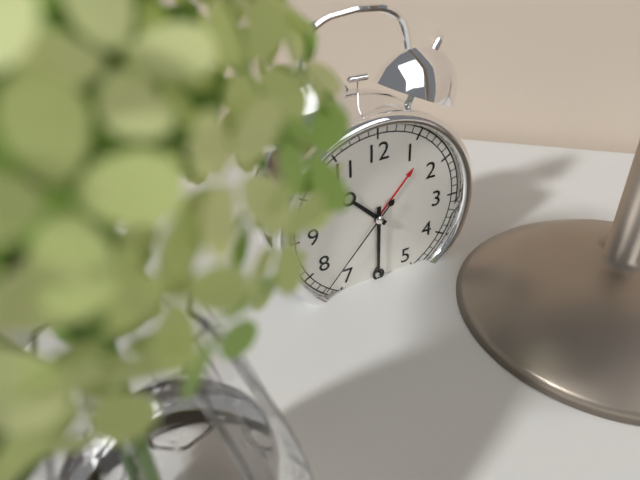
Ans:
h=10 m=30 s=37
